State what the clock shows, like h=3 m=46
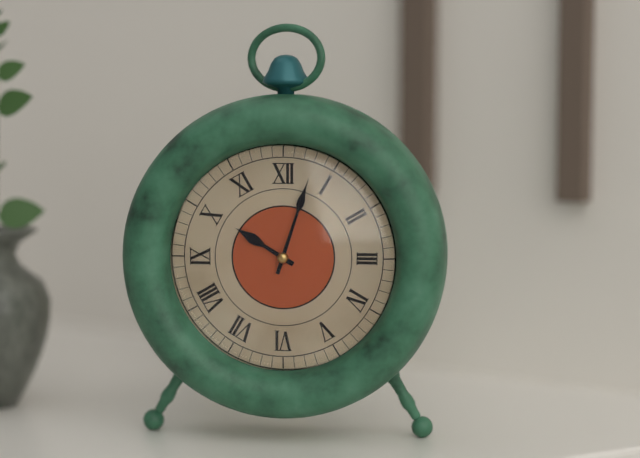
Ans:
h=10 m=3
